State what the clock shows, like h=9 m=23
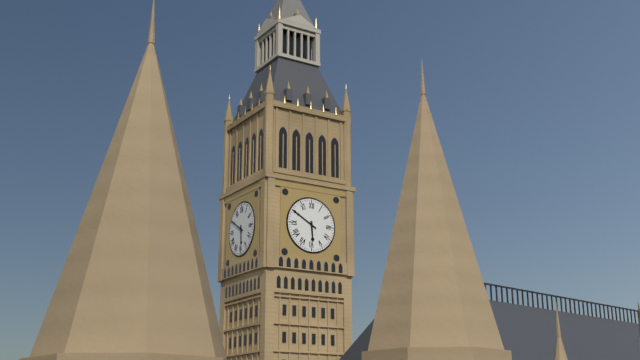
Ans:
h=5 m=50
